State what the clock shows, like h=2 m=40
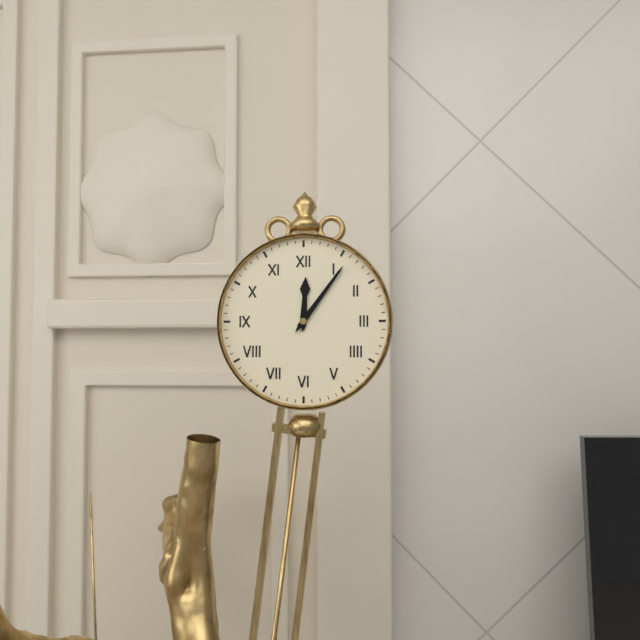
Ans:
h=12 m=6
